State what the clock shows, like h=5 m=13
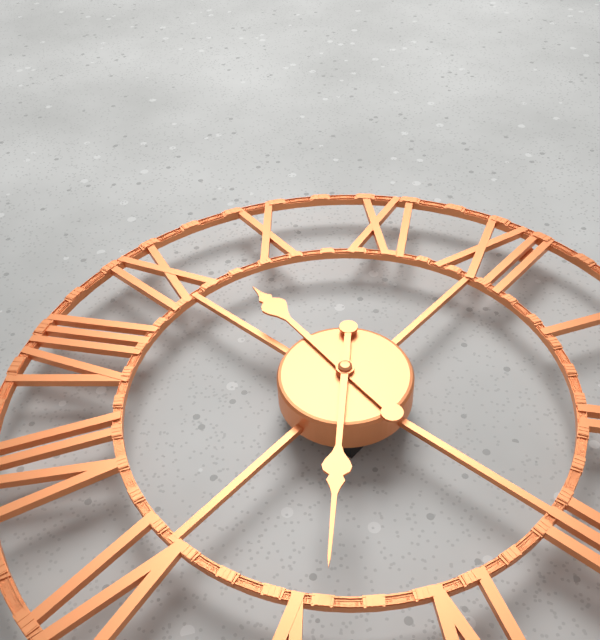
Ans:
h=9 m=24
